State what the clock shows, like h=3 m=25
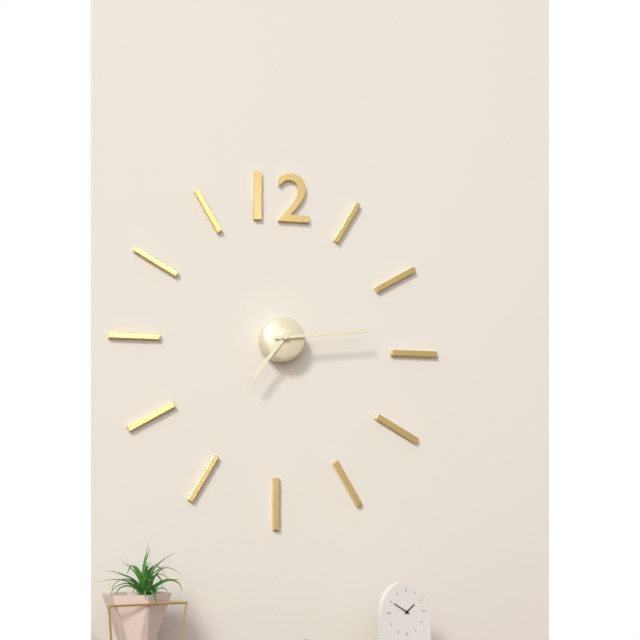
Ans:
h=7 m=14
